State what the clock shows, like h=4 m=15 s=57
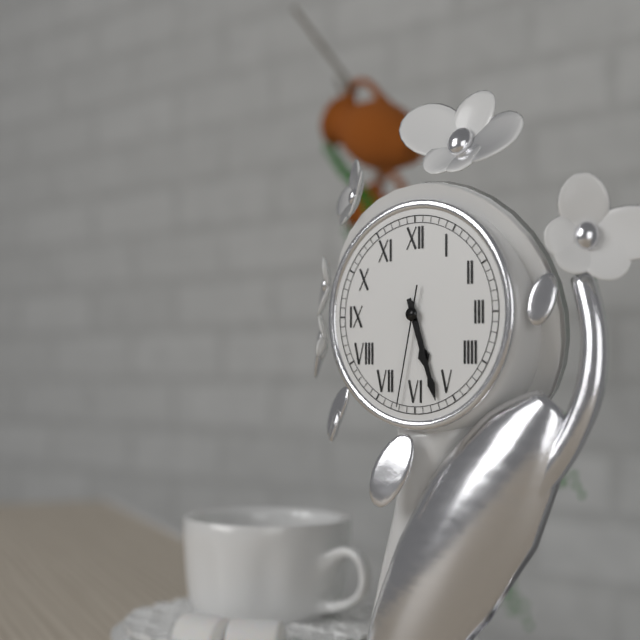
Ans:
h=5 m=27 s=32
